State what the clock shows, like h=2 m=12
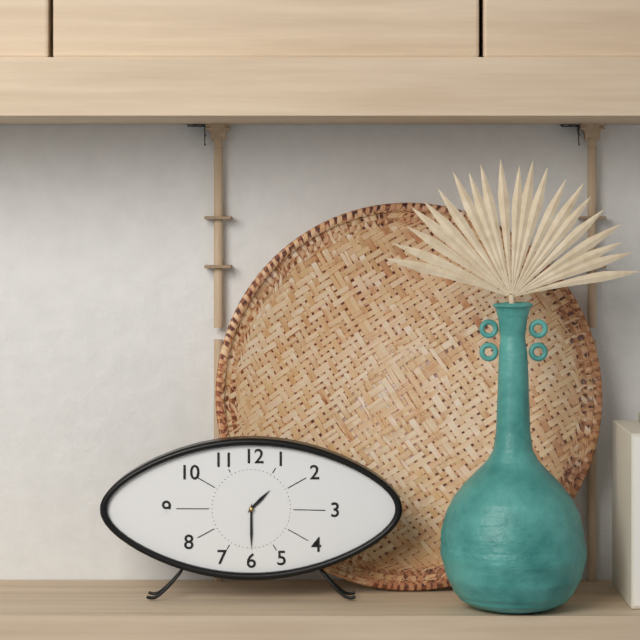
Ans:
h=1 m=30
